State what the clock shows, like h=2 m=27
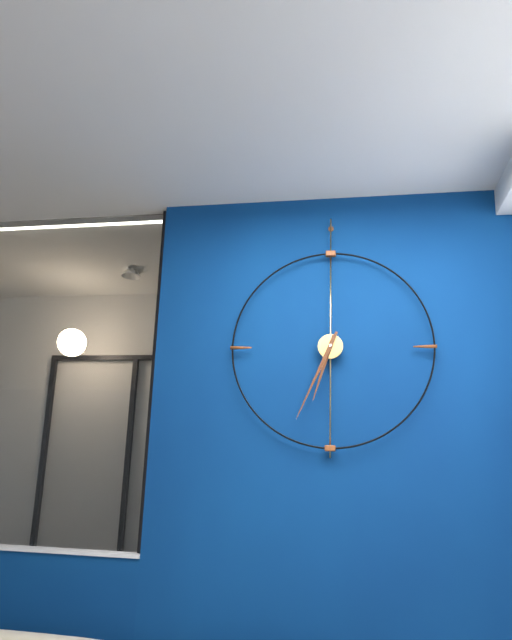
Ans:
h=6 m=34
